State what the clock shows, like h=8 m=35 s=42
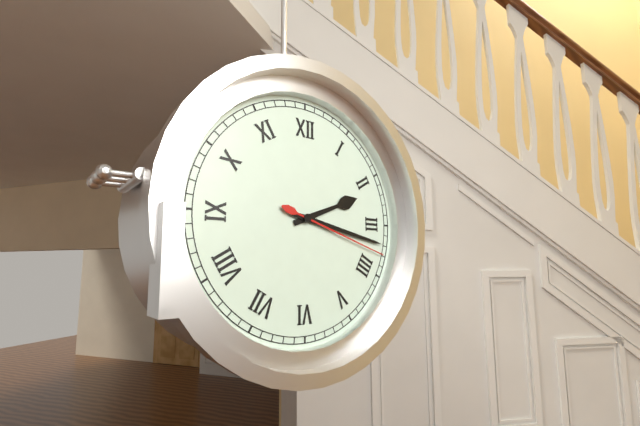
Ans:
h=2 m=17 s=18
